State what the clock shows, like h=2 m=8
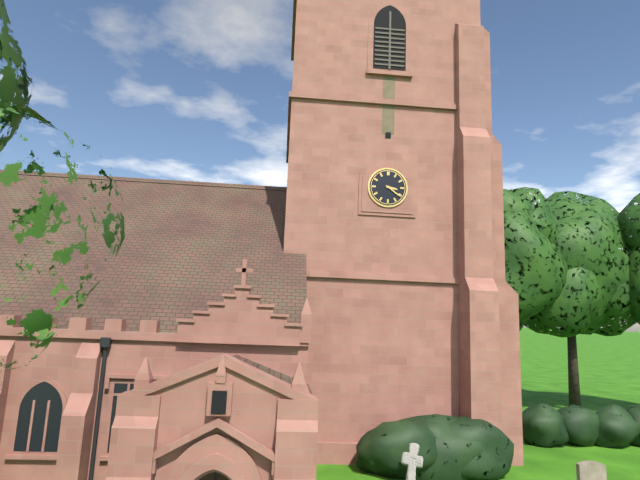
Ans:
h=3 m=21
